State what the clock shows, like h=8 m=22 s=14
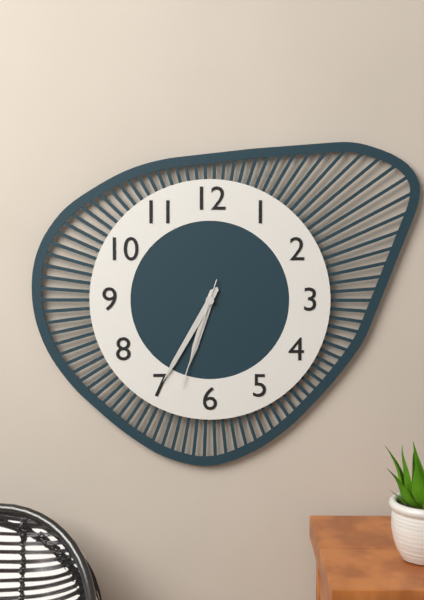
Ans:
h=6 m=35 s=33
